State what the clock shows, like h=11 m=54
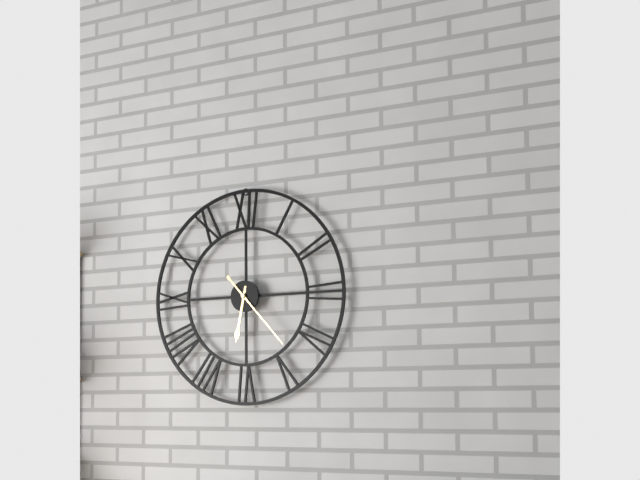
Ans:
h=6 m=23
